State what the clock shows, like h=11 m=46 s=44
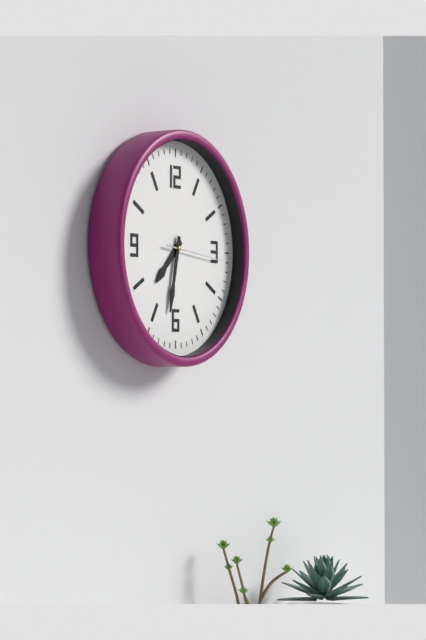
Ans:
h=7 m=32 s=16
